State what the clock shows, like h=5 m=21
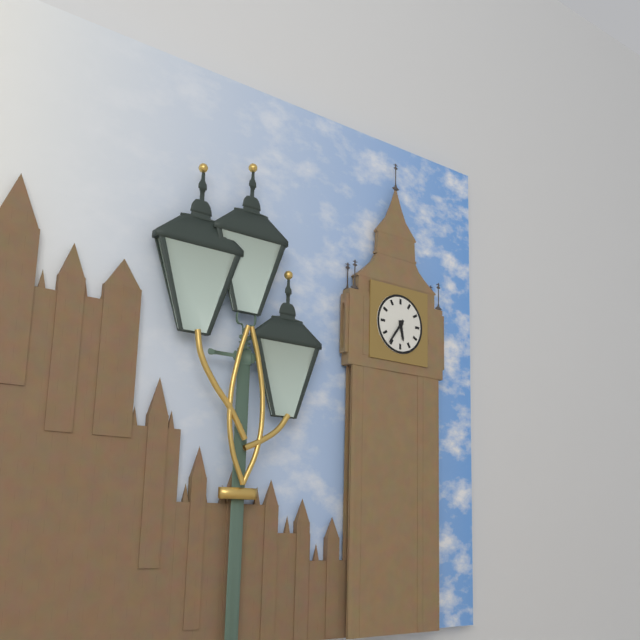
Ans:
h=5 m=36
